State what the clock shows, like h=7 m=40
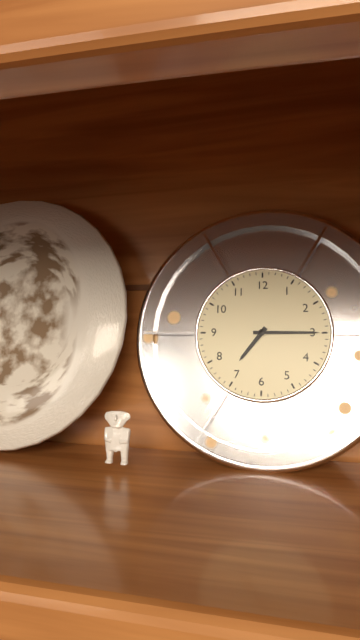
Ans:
h=7 m=15
